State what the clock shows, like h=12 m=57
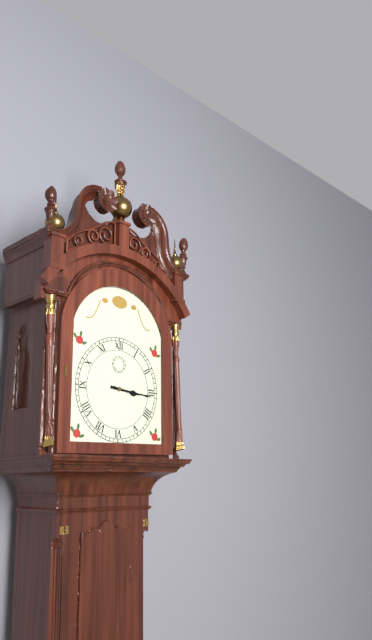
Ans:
h=3 m=16
